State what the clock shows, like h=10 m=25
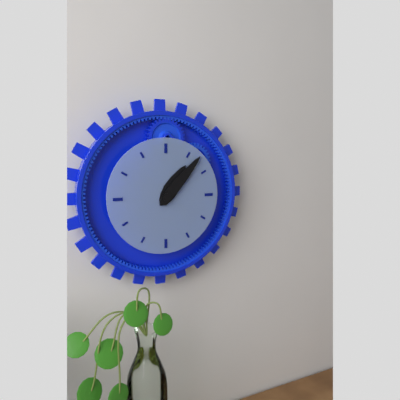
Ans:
h=1 m=7
